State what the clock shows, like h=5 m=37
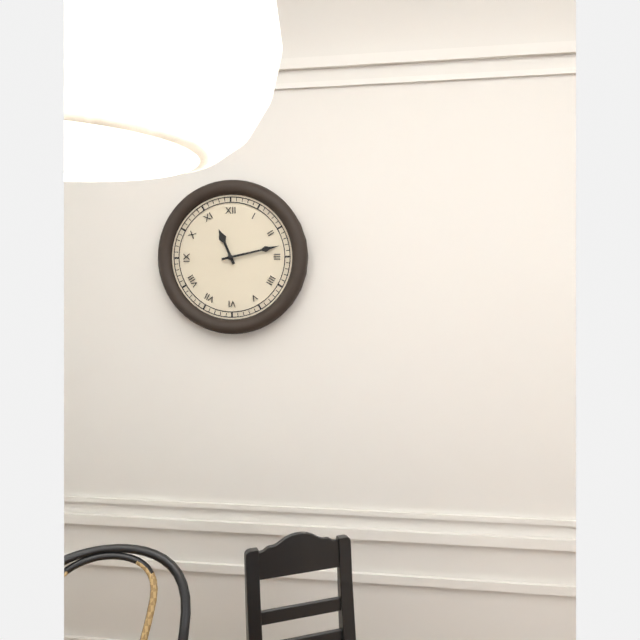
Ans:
h=11 m=13
